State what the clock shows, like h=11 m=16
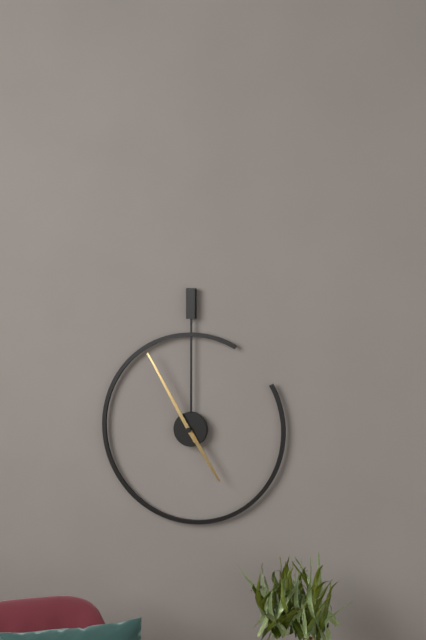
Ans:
h=4 m=55
